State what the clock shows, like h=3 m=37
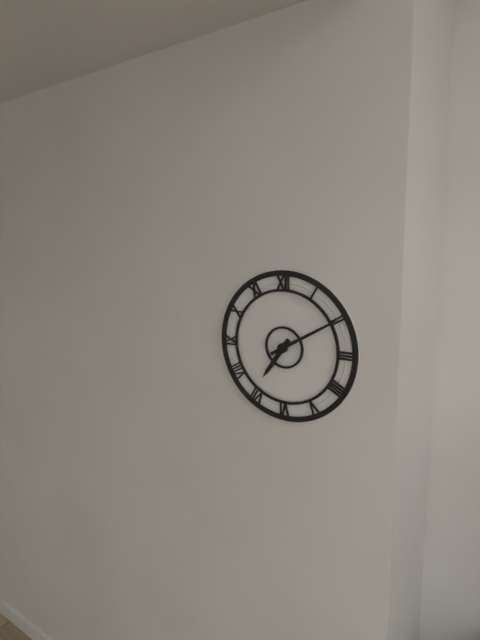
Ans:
h=7 m=10
